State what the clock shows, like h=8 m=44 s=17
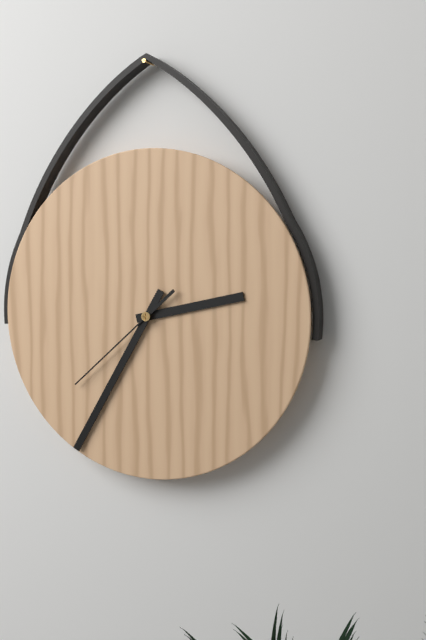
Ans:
h=2 m=35 s=38
